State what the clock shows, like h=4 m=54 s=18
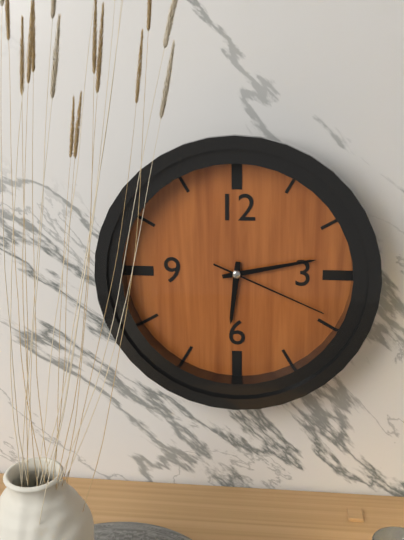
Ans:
h=6 m=13 s=19
